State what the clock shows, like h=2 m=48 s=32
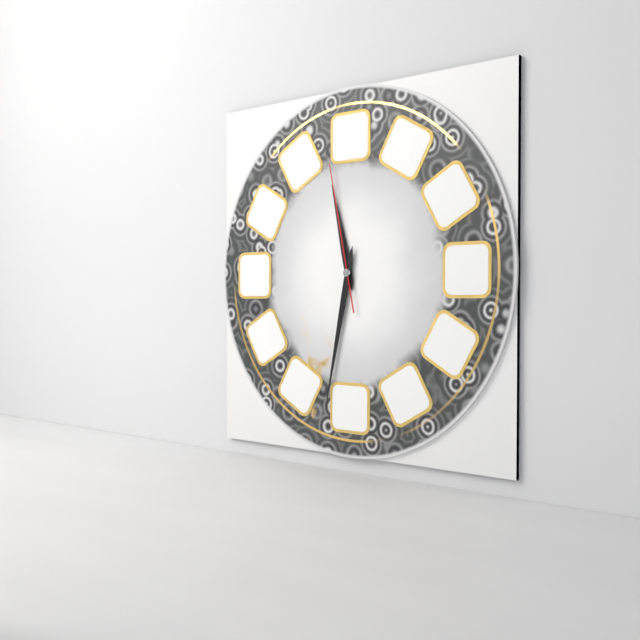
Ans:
h=11 m=32 s=58
